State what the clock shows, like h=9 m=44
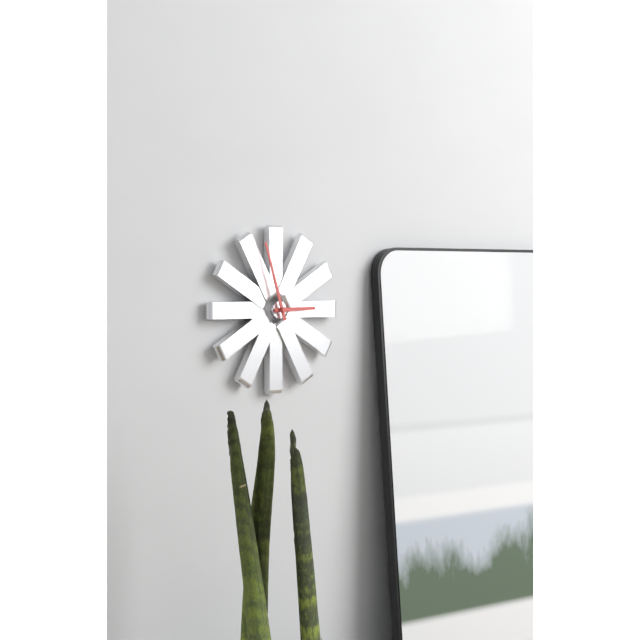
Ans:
h=2 m=57
